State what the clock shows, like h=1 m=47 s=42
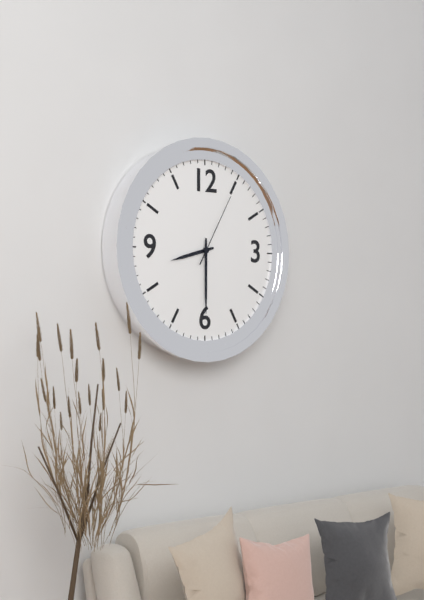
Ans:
h=8 m=30 s=5
